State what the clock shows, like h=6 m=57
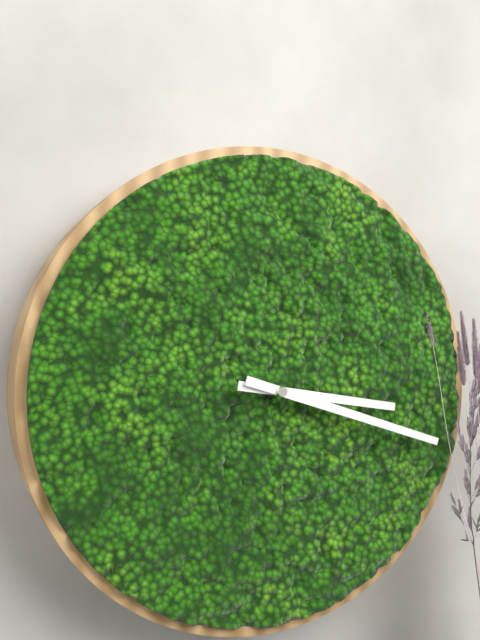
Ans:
h=3 m=18
